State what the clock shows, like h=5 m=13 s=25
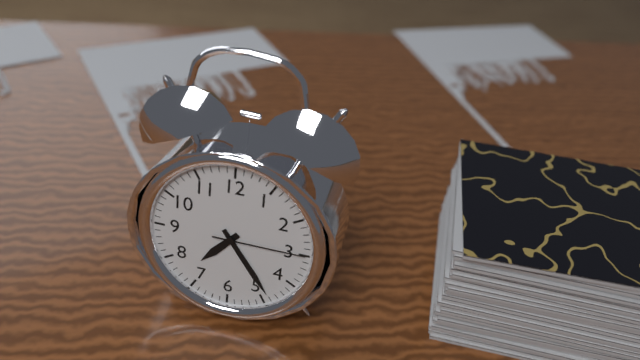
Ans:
h=7 m=24 s=15
